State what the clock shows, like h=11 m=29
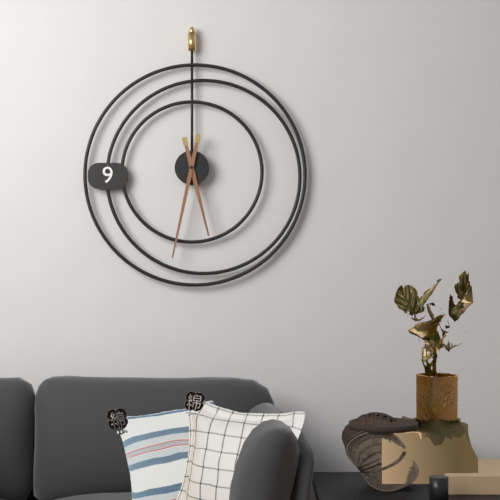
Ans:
h=5 m=32
